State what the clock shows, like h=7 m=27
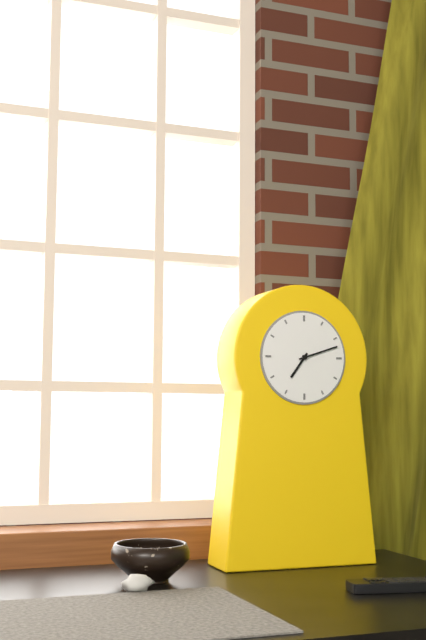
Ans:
h=7 m=12
